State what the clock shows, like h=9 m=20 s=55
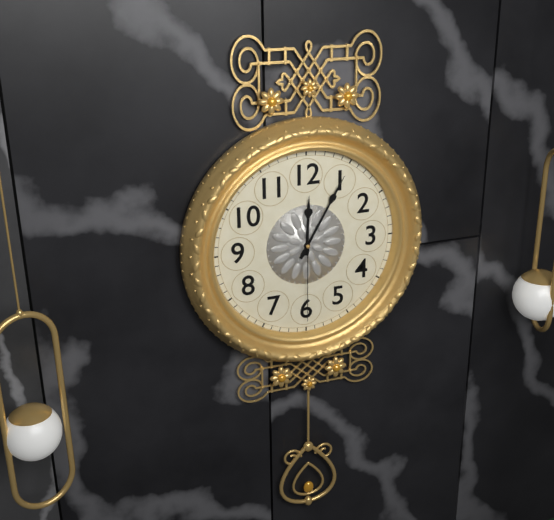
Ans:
h=12 m=5 s=30
